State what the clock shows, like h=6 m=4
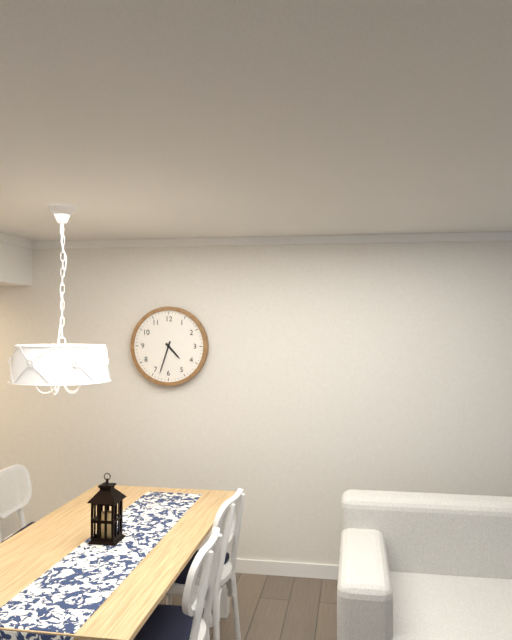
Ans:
h=4 m=33
